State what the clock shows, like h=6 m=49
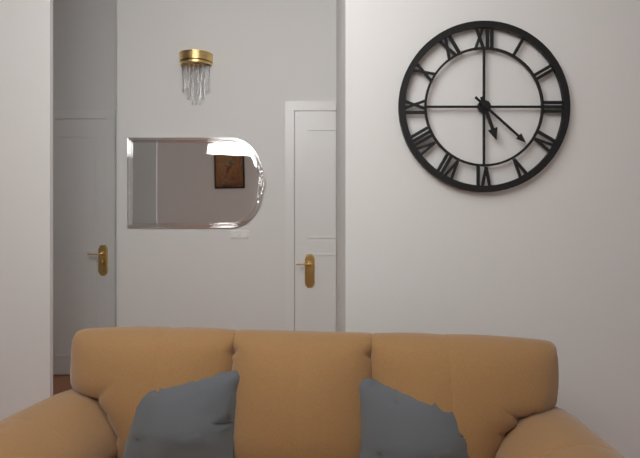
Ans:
h=5 m=22
